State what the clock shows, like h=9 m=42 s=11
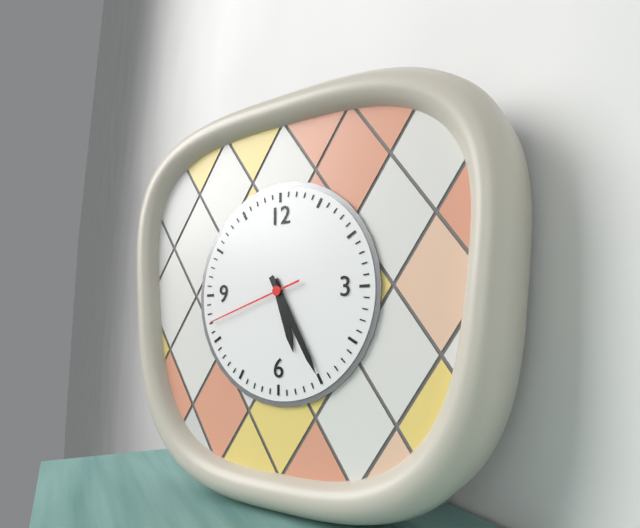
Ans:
h=5 m=25 s=42
